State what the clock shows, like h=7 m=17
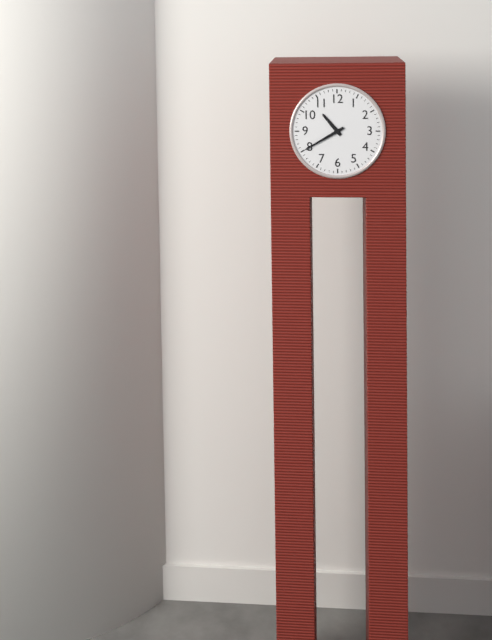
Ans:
h=10 m=40
